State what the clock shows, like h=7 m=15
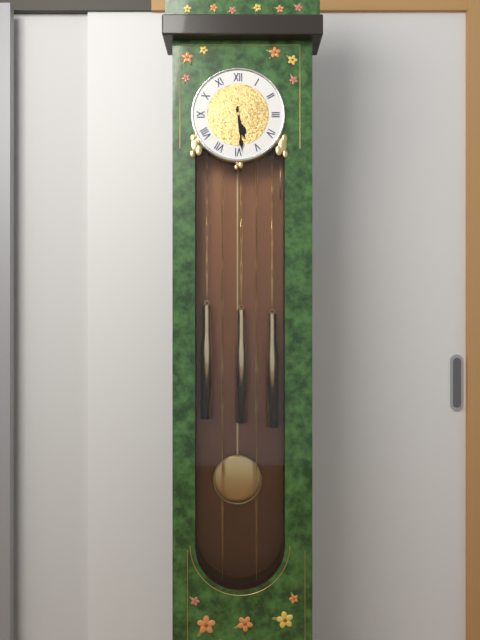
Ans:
h=5 m=29
